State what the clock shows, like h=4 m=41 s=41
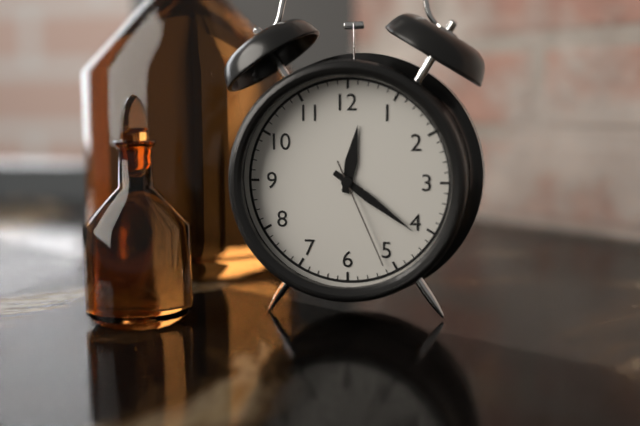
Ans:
h=12 m=21 s=26
